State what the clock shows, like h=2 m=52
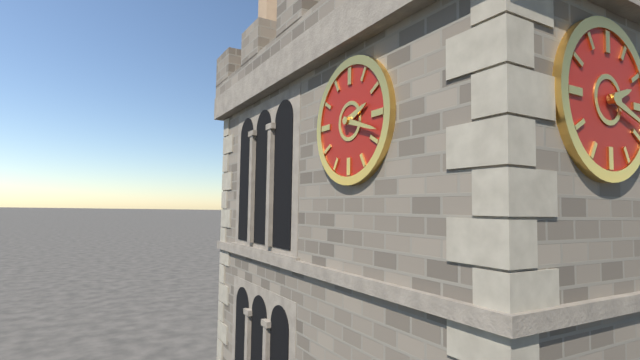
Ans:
h=2 m=18
